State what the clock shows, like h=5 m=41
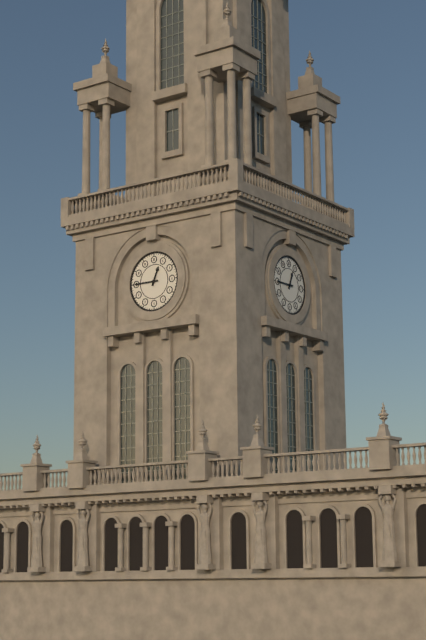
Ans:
h=12 m=45
